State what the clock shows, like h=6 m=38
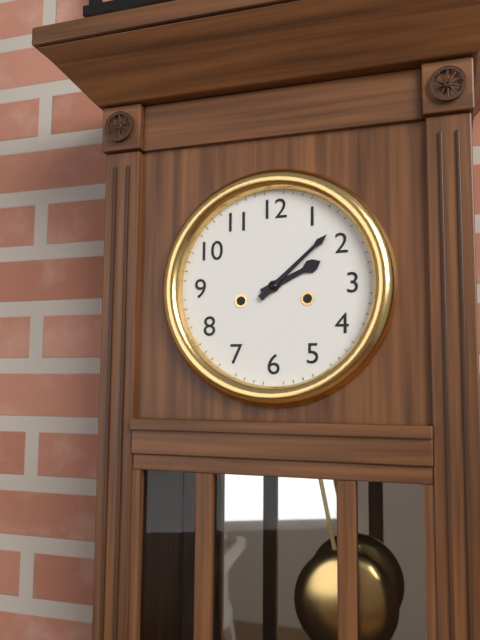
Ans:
h=2 m=8
